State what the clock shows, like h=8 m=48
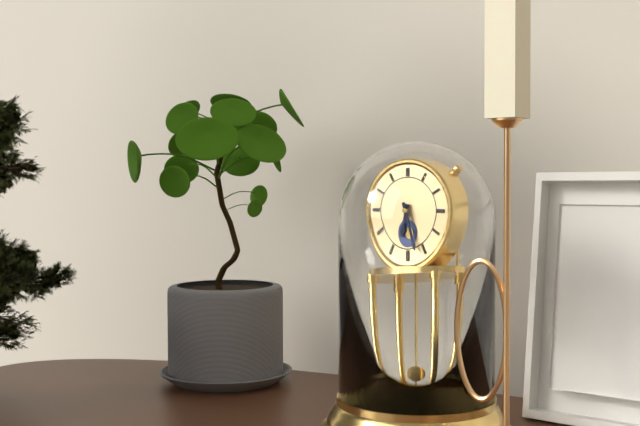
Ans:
h=6 m=27
